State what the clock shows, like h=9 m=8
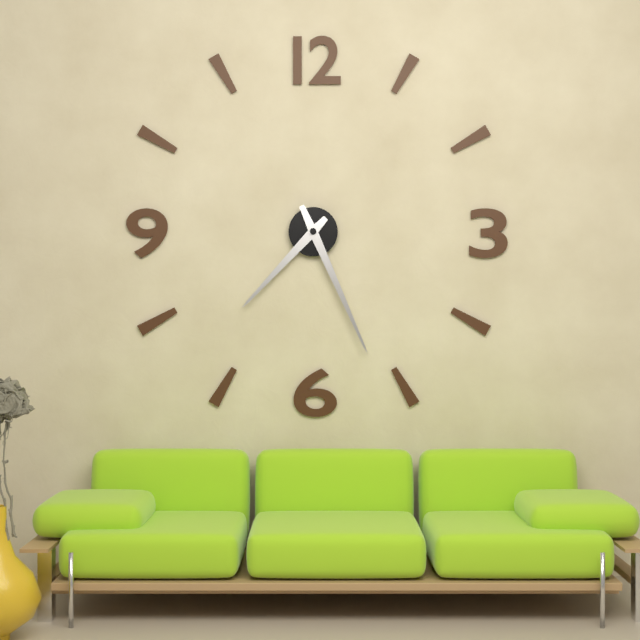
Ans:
h=7 m=26
